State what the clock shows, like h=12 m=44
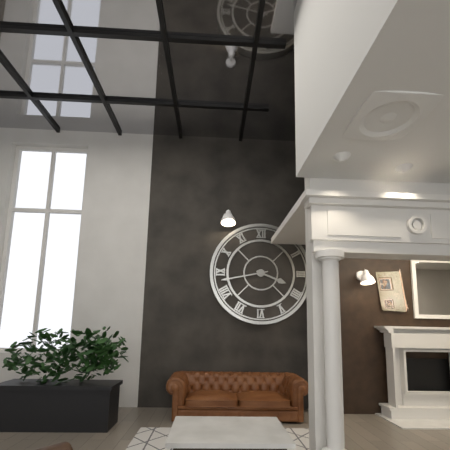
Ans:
h=3 m=43
